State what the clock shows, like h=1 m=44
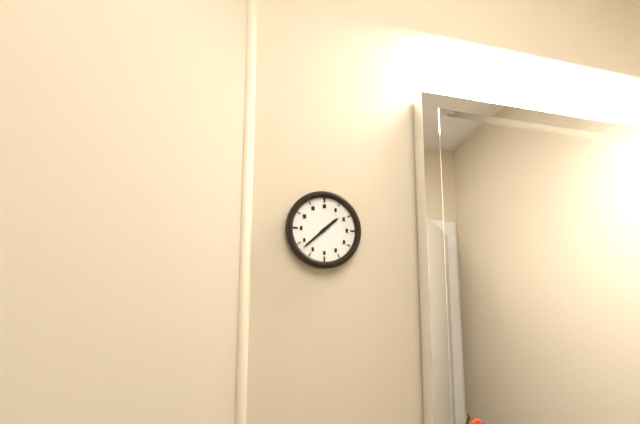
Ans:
h=1 m=38
